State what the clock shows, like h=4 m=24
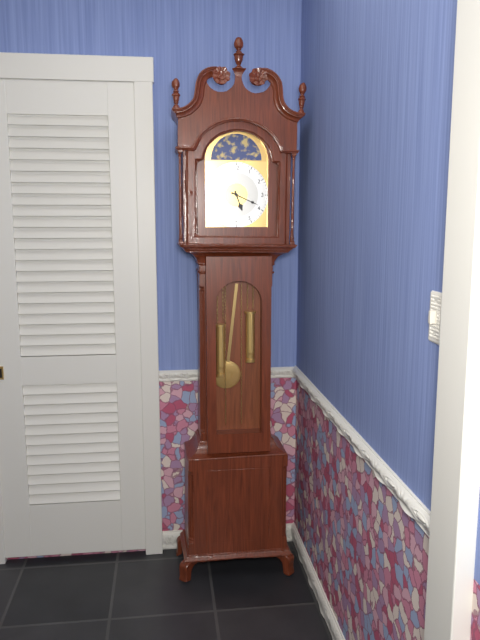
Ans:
h=5 m=19
